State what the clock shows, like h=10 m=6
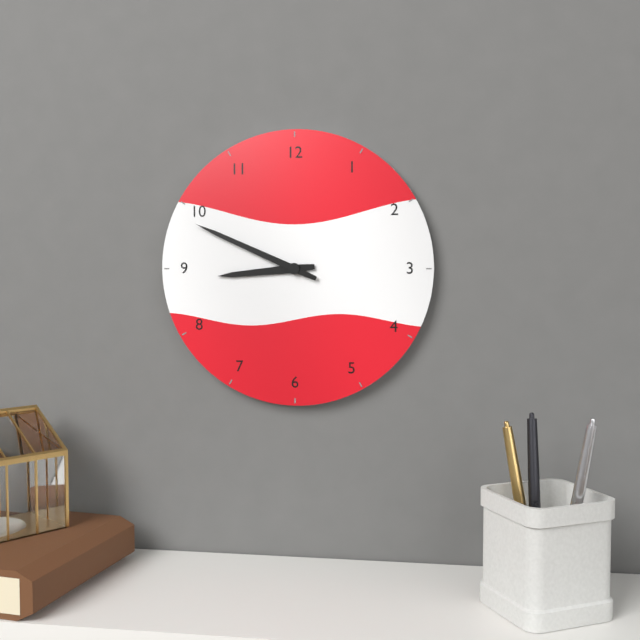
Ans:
h=8 m=49
